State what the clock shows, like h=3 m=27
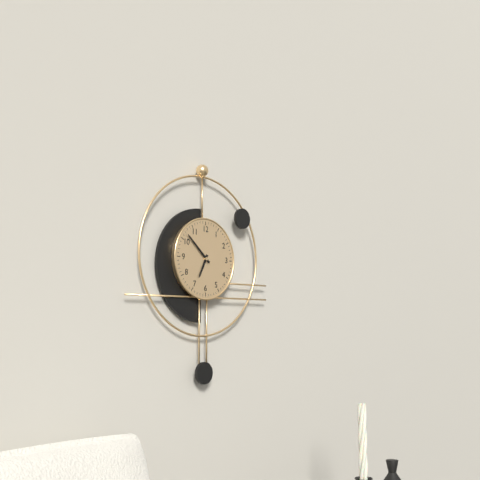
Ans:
h=6 m=52
